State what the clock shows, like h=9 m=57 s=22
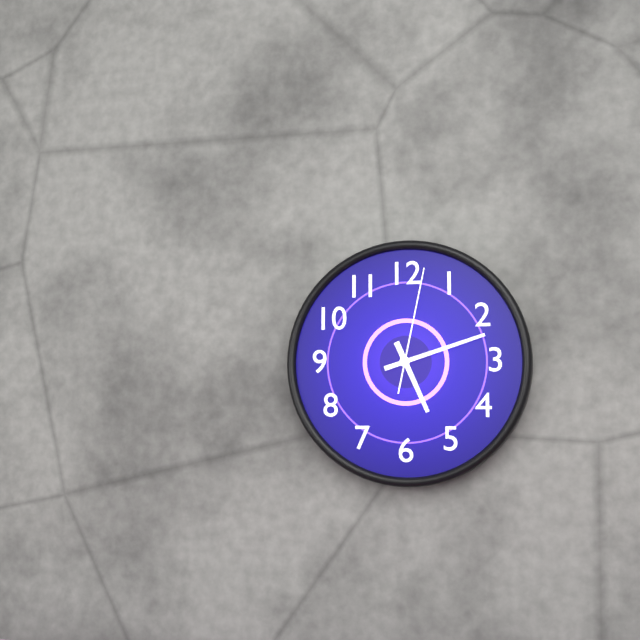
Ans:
h=5 m=12 s=2
